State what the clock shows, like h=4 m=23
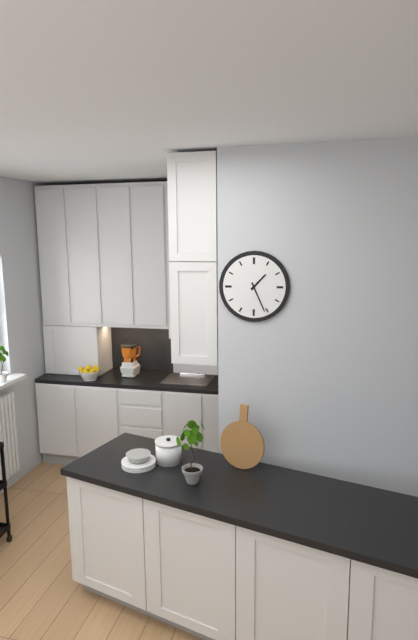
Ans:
h=1 m=26
